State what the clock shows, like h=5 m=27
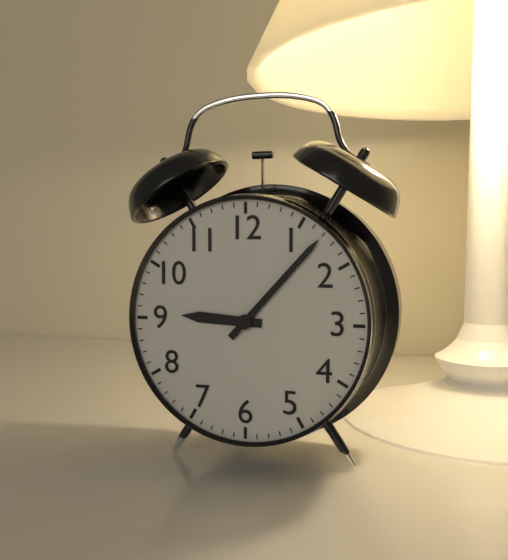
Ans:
h=9 m=7
